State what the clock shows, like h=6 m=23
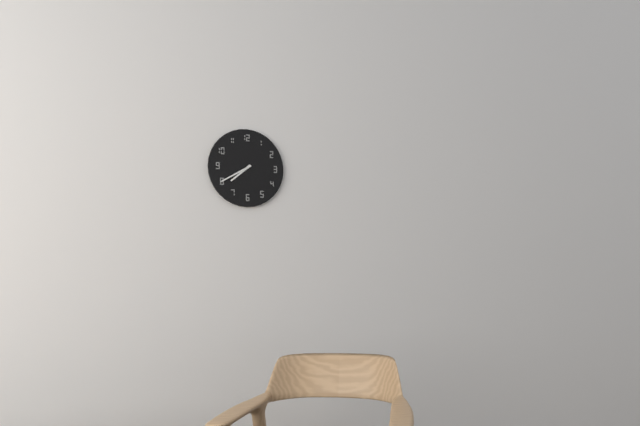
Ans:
h=7 m=40
